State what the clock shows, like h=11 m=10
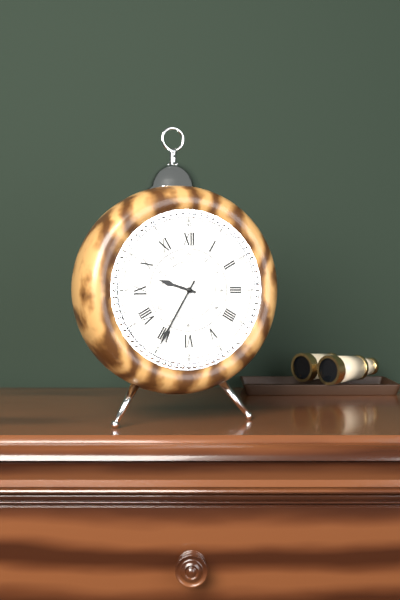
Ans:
h=9 m=35
